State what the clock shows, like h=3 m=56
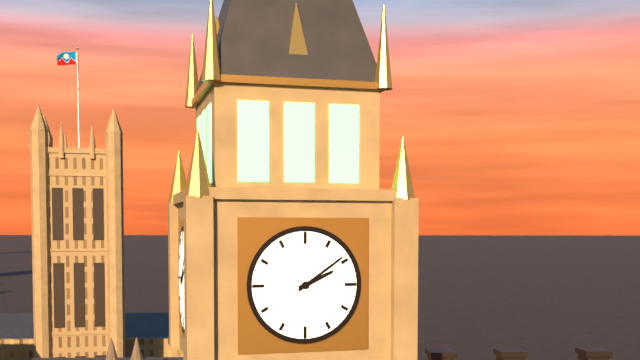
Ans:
h=2 m=9
